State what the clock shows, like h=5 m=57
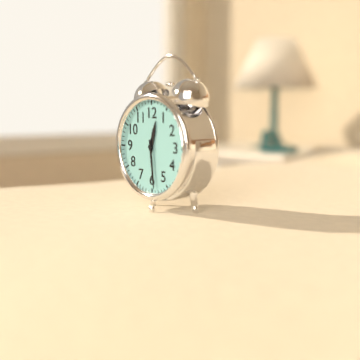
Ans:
h=12 m=29
